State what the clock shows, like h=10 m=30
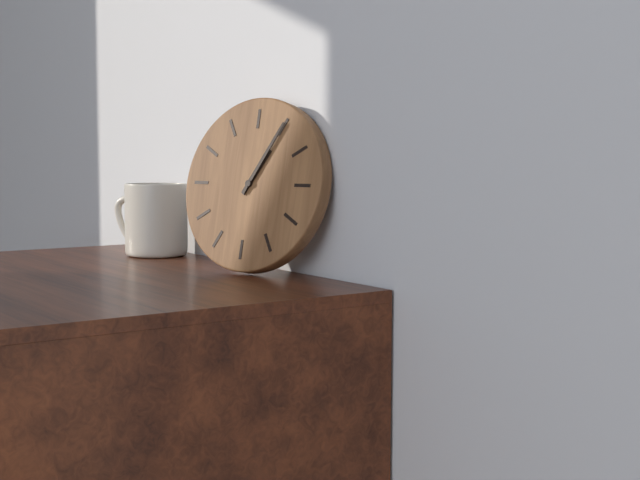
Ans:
h=1 m=5
